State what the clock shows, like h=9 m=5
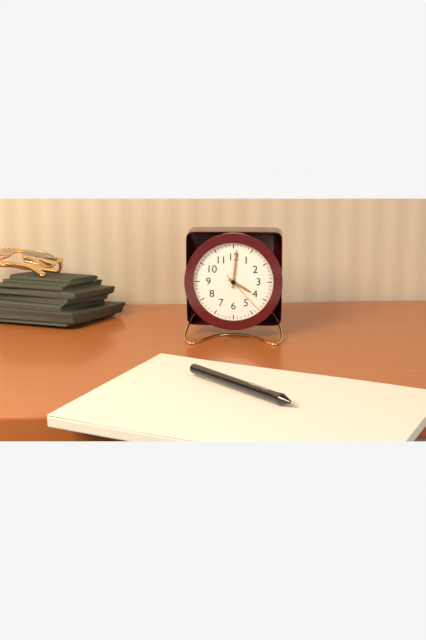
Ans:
h=4 m=1
